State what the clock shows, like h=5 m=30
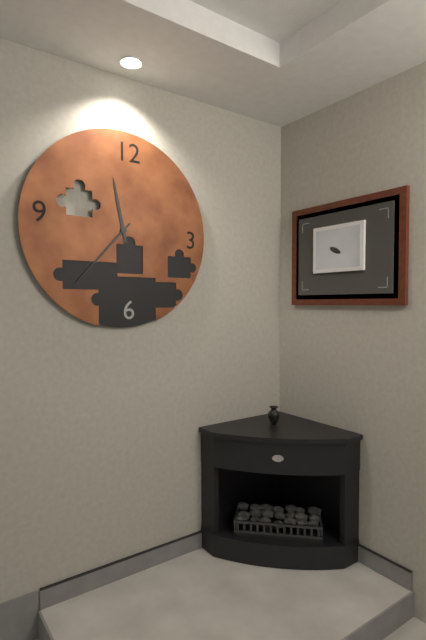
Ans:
h=11 m=37
